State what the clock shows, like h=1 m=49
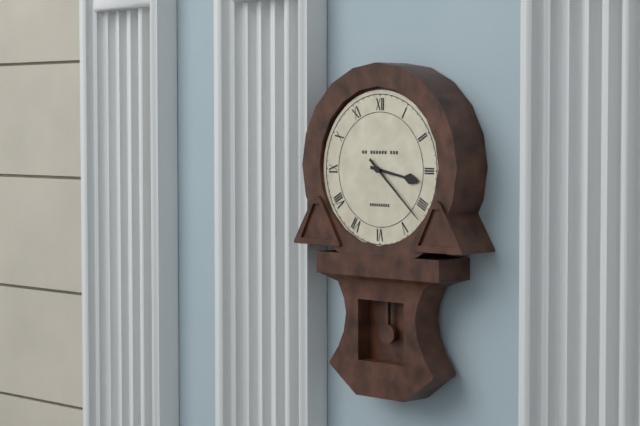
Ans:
h=3 m=22
